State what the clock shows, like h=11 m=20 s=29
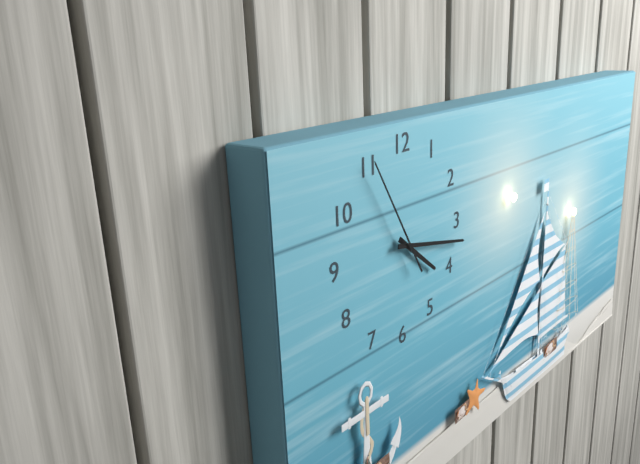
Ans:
h=4 m=17 s=55
